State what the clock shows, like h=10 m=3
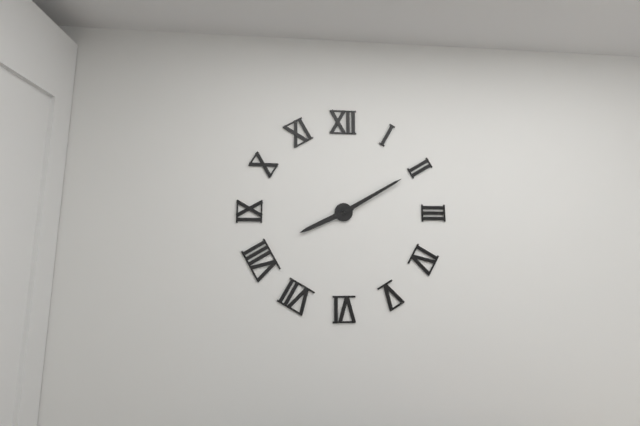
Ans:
h=8 m=10
